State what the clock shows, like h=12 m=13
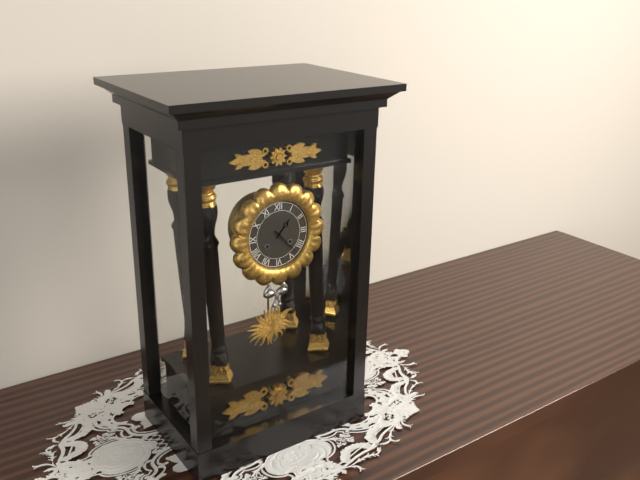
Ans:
h=1 m=23
